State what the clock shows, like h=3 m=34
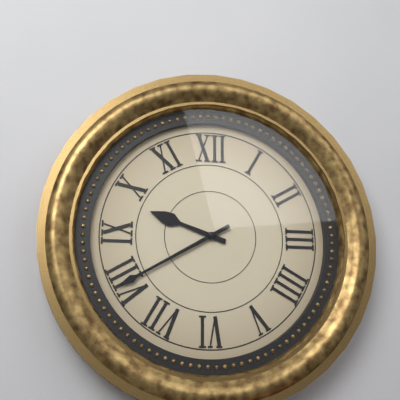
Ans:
h=9 m=40
